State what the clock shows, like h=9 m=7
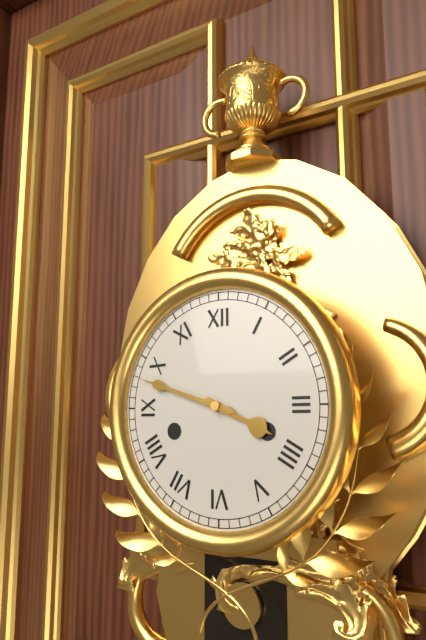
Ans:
h=3 m=48
